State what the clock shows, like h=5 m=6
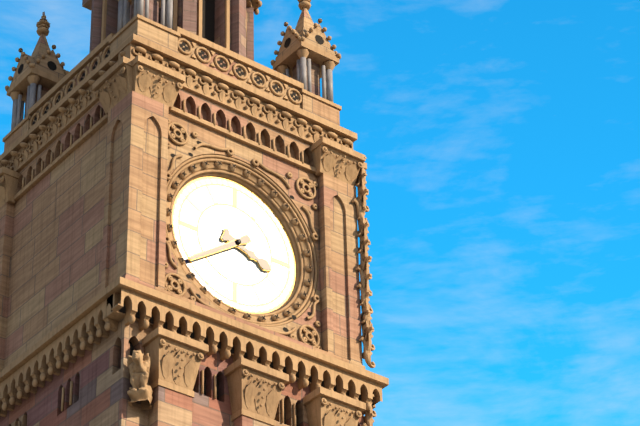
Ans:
h=3 m=39
